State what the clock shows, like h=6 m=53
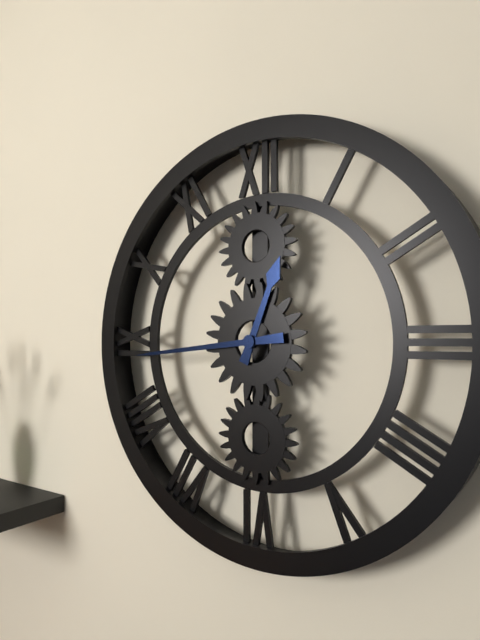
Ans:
h=12 m=44
